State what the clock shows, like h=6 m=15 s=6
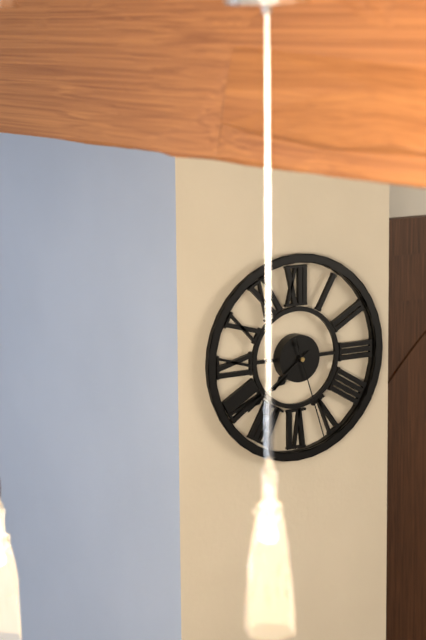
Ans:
h=7 m=39 s=27
